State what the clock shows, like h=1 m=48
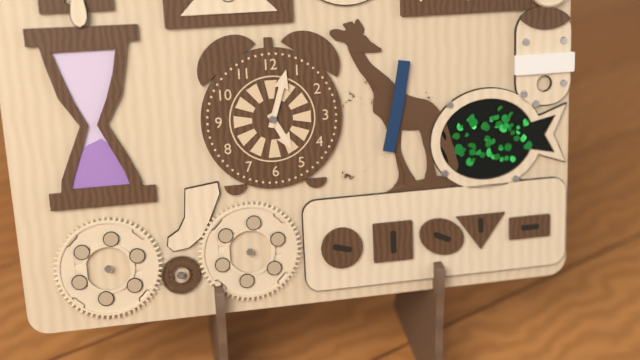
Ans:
h=5 m=3
